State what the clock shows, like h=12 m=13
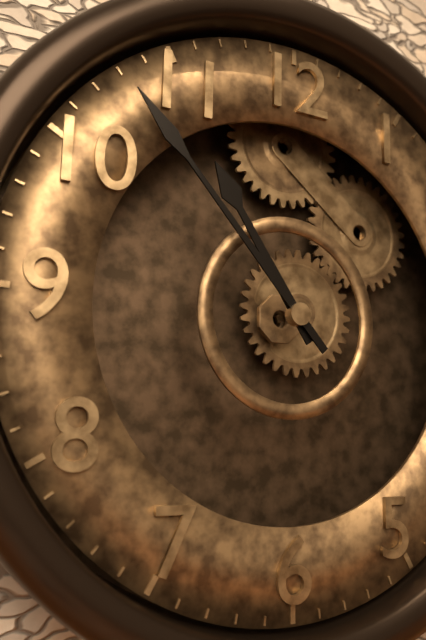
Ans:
h=10 m=53
